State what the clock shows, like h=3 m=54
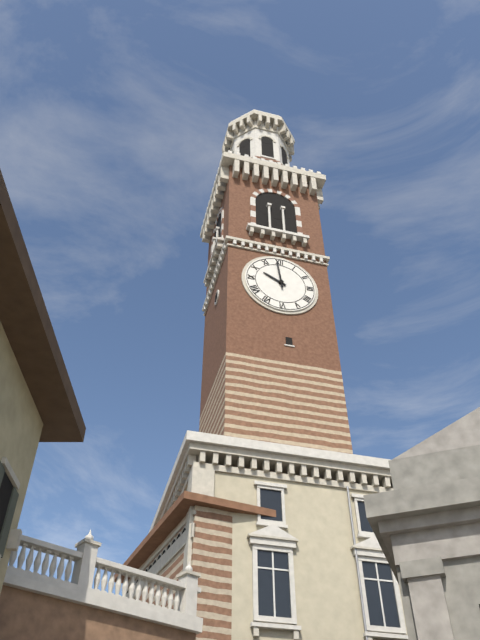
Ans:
h=9 m=59
